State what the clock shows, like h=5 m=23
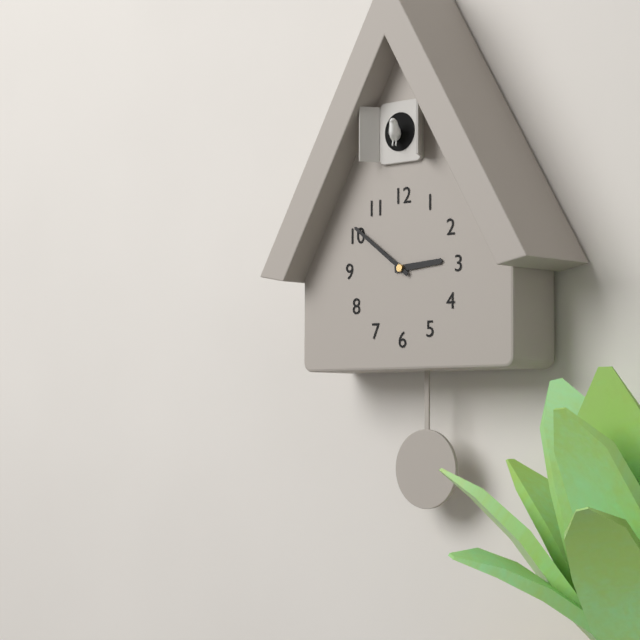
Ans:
h=2 m=51
